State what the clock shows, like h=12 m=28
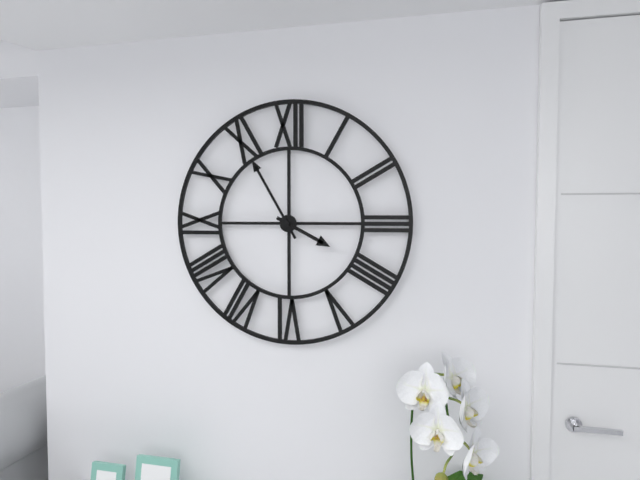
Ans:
h=3 m=55
